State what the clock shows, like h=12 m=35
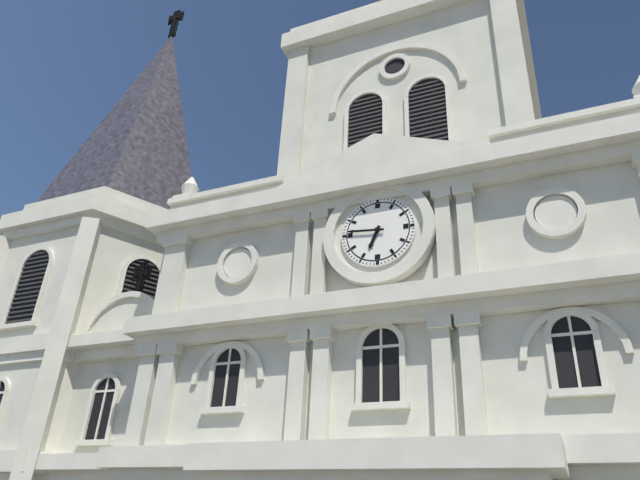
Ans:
h=6 m=46
